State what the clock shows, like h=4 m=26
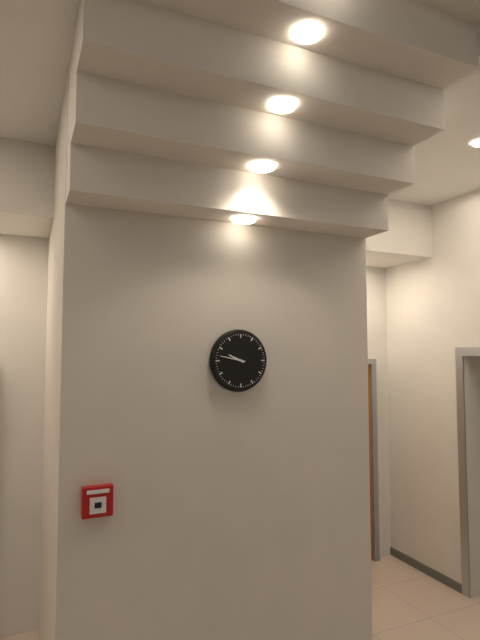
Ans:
h=9 m=47
